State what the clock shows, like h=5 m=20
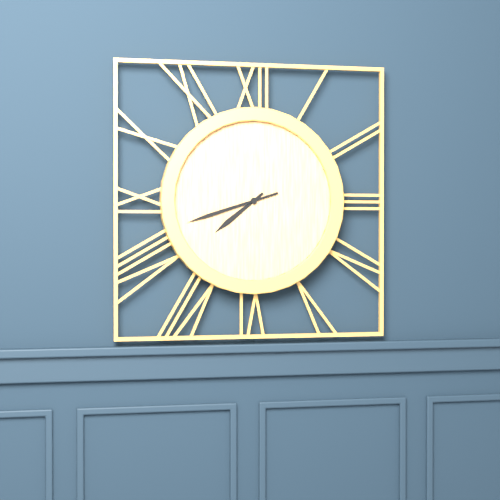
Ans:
h=7 m=42
